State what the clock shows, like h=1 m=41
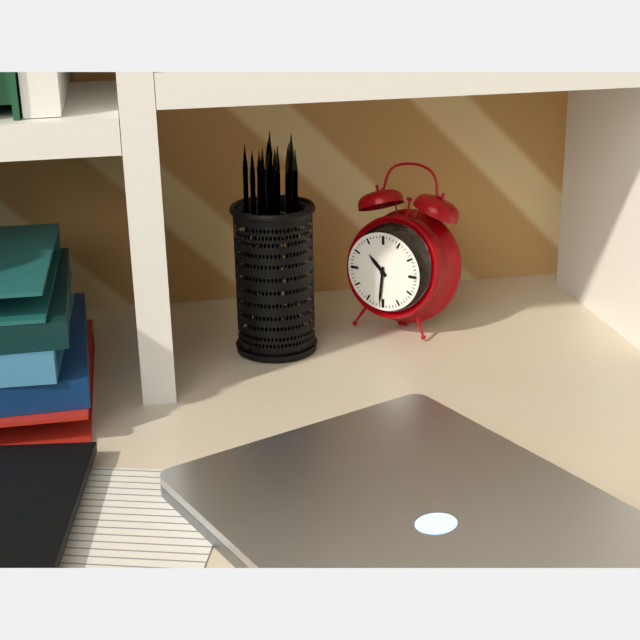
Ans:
h=10 m=31
